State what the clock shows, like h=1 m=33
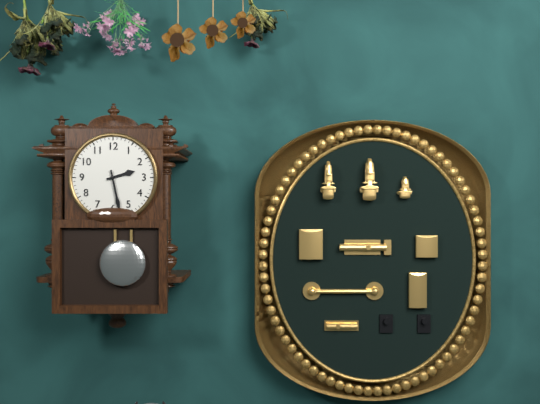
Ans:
h=2 m=28
